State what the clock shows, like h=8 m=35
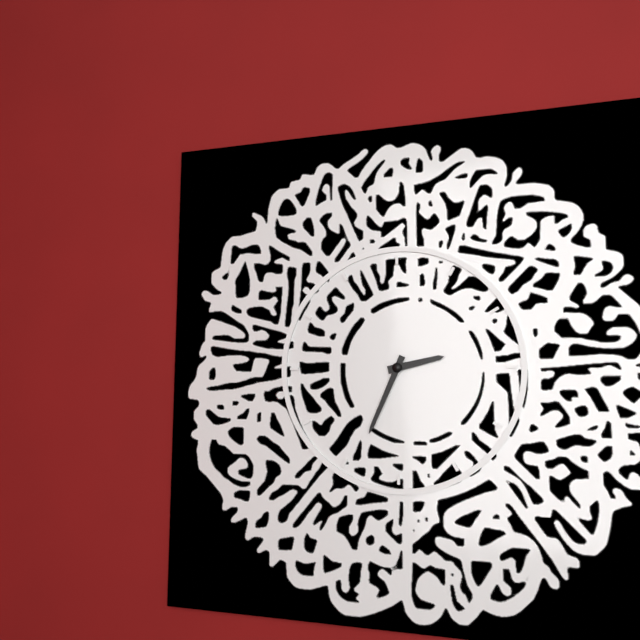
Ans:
h=2 m=34
